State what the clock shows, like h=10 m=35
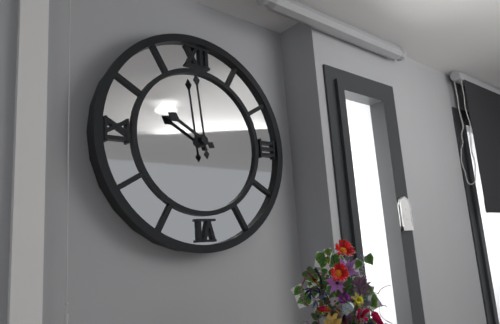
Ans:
h=9 m=59
